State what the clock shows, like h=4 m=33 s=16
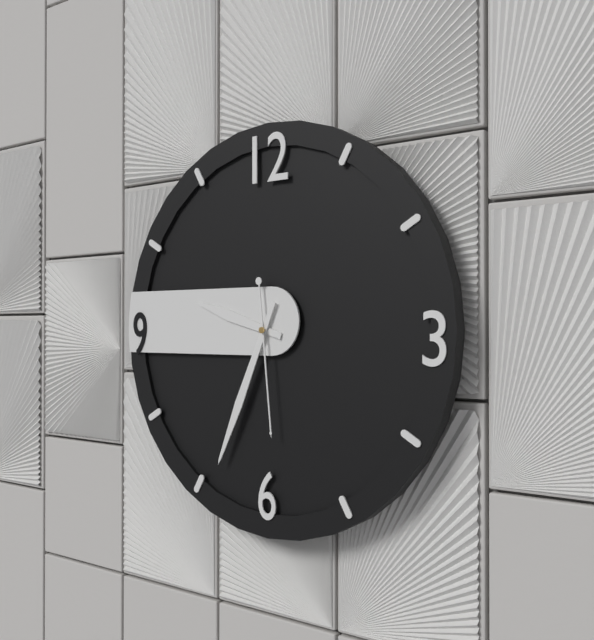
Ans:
h=9 m=34 s=29
